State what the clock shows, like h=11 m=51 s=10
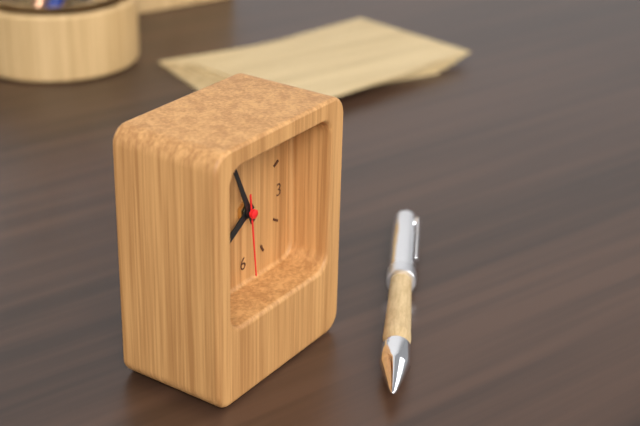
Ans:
h=7 m=56 s=29
